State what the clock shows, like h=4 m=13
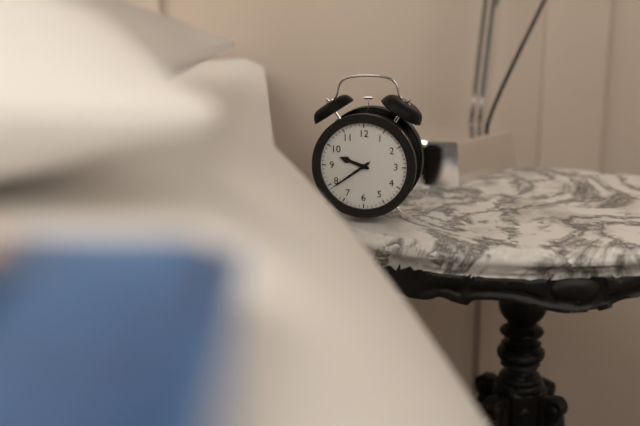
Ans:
h=9 m=39
